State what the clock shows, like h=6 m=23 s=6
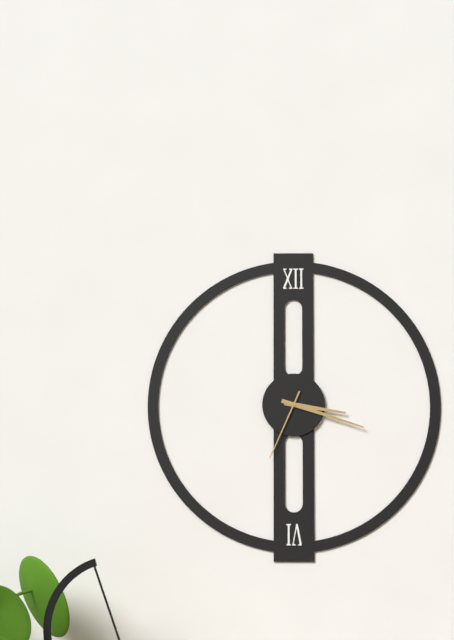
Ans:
h=3 m=18 s=34
